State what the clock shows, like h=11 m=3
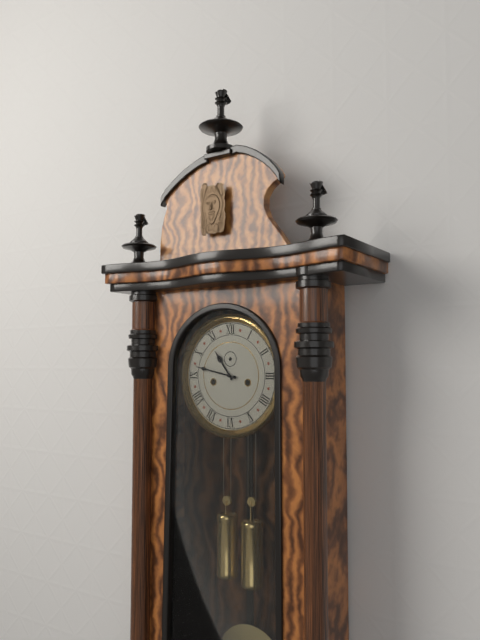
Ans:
h=10 m=47
